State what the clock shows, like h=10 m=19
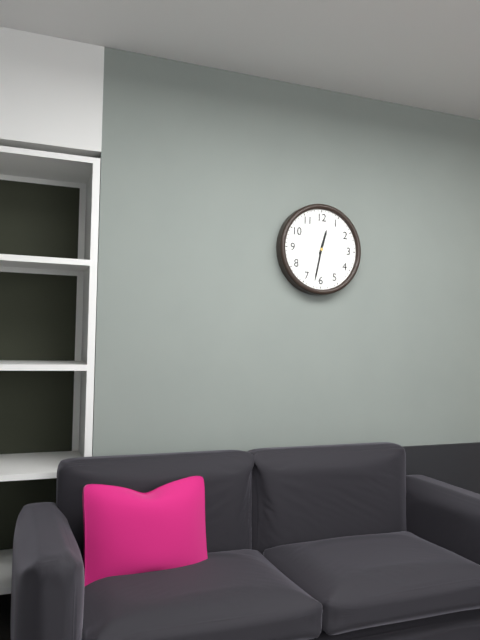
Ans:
h=12 m=32
